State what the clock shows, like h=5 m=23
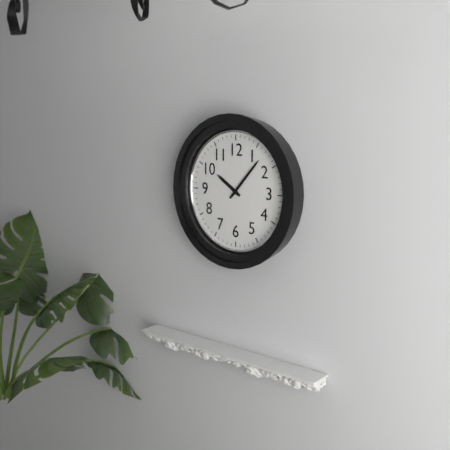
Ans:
h=10 m=7
